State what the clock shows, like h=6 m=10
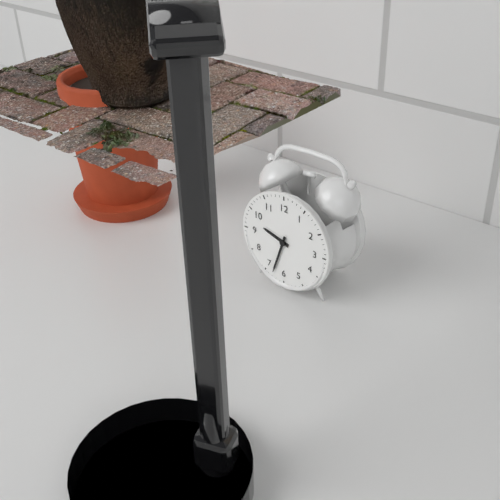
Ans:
h=9 m=33
